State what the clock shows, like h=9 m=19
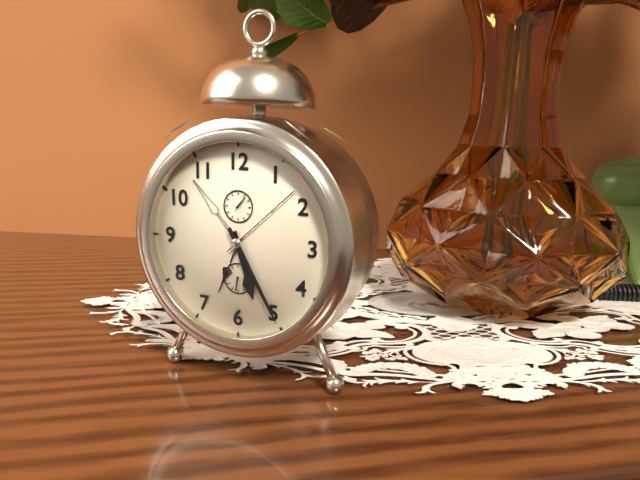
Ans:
h=5 m=25
